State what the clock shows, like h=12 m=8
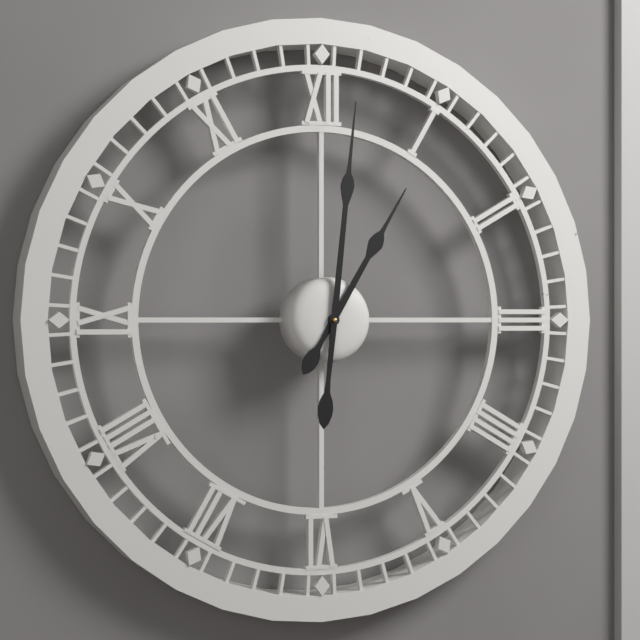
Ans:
h=1 m=1
